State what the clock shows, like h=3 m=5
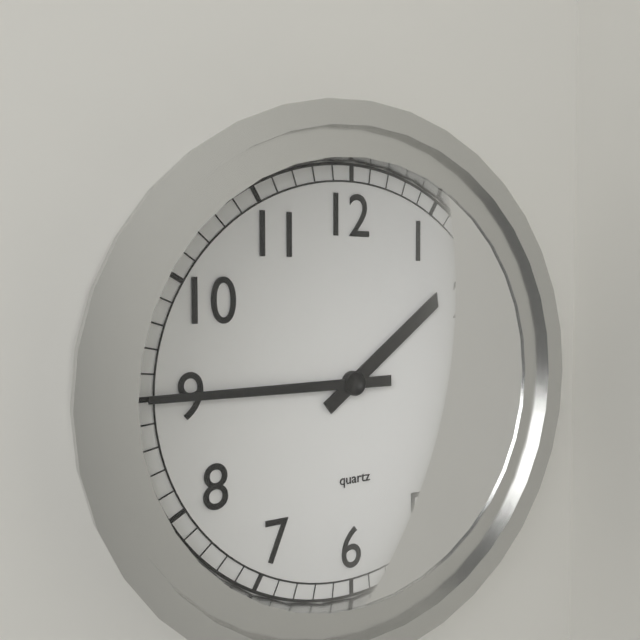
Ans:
h=1 m=45
